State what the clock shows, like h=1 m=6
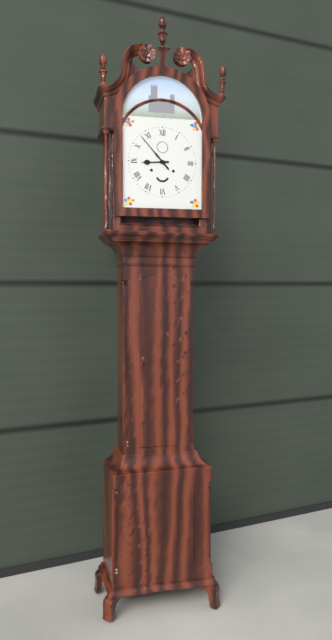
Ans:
h=8 m=53
